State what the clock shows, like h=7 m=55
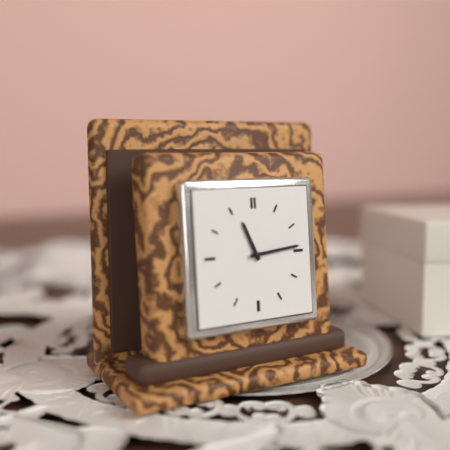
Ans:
h=11 m=14
